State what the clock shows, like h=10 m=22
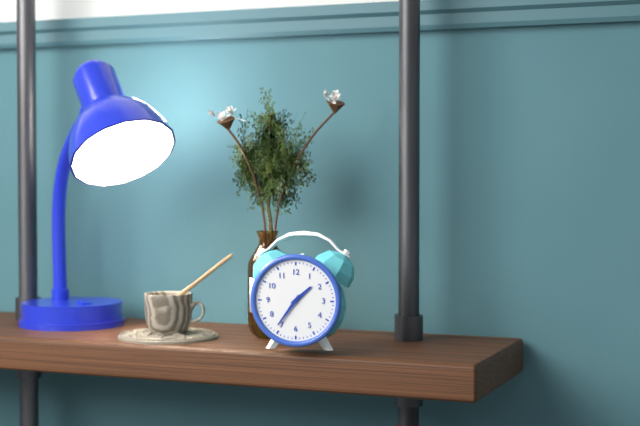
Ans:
h=1 m=36
